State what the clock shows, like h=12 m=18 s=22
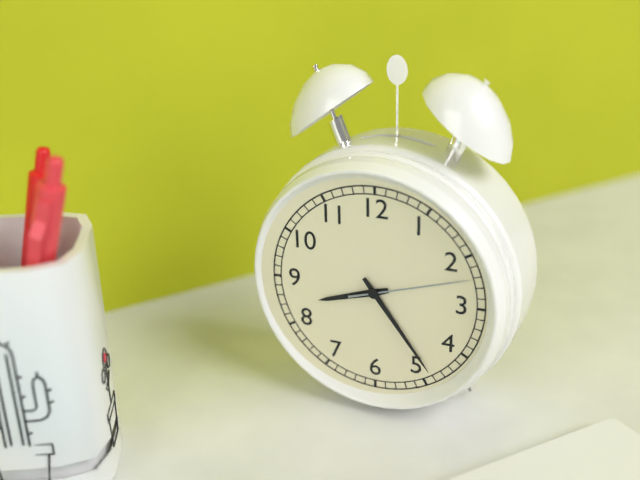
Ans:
h=8 m=24 s=12
